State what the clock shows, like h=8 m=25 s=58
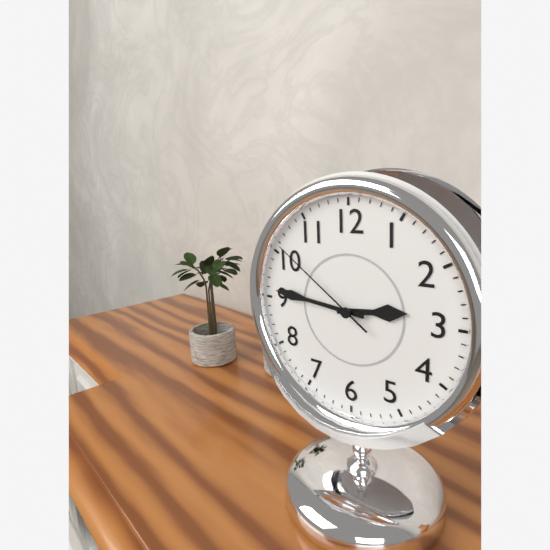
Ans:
h=2 m=46 s=51
